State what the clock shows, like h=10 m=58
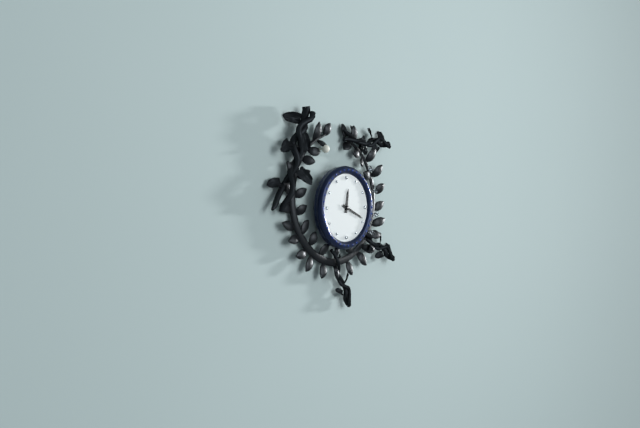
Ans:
h=12 m=19
